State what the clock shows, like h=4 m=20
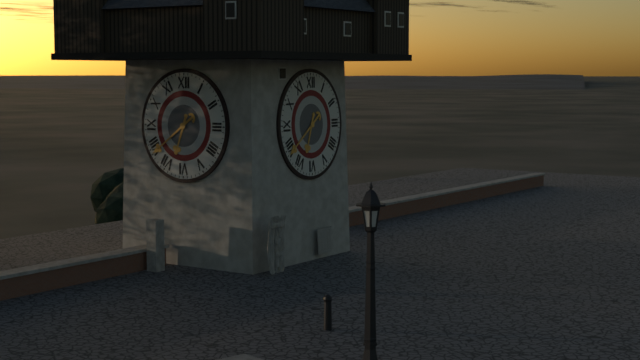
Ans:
h=6 m=39
